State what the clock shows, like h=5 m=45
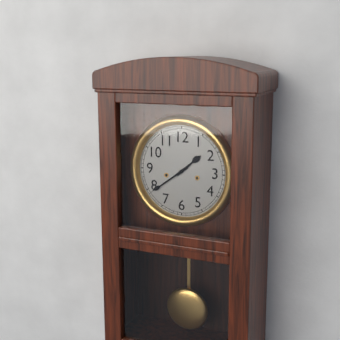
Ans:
h=1 m=39
